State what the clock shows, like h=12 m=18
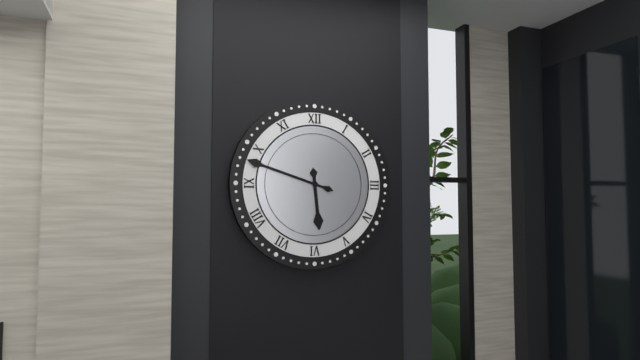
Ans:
h=5 m=48
